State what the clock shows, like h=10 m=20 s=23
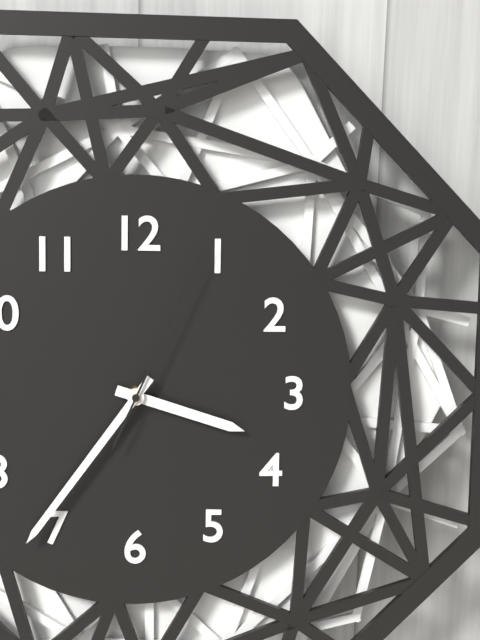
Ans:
h=3 m=36 s=4
